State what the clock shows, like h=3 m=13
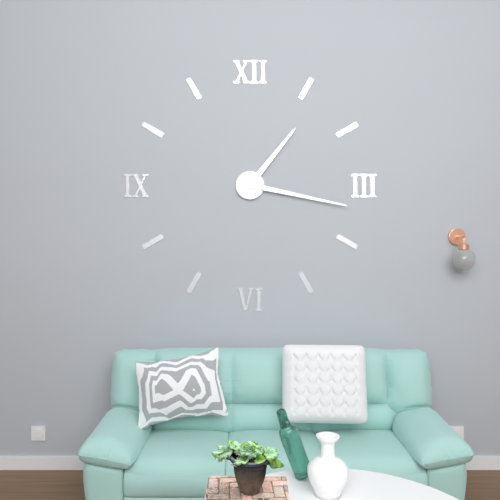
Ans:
h=1 m=17
